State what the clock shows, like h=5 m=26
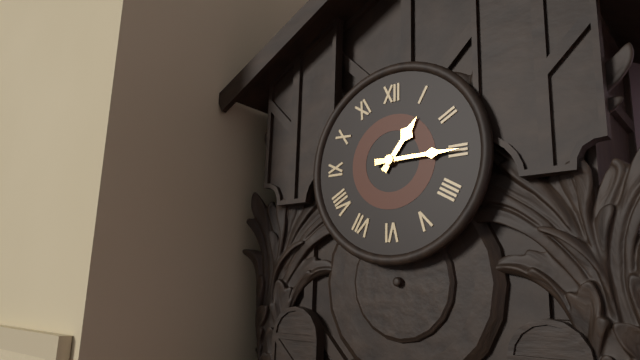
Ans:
h=1 m=15
